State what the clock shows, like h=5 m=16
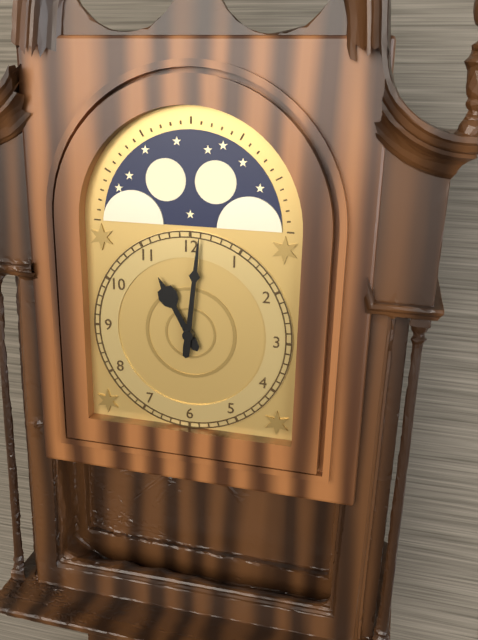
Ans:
h=11 m=1
